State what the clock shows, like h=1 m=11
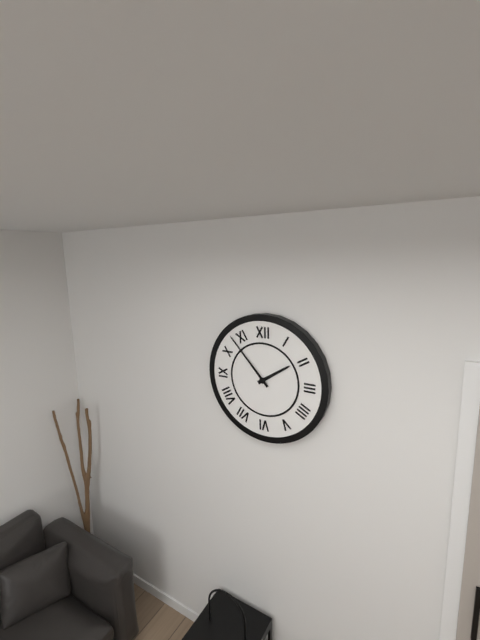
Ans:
h=1 m=53
